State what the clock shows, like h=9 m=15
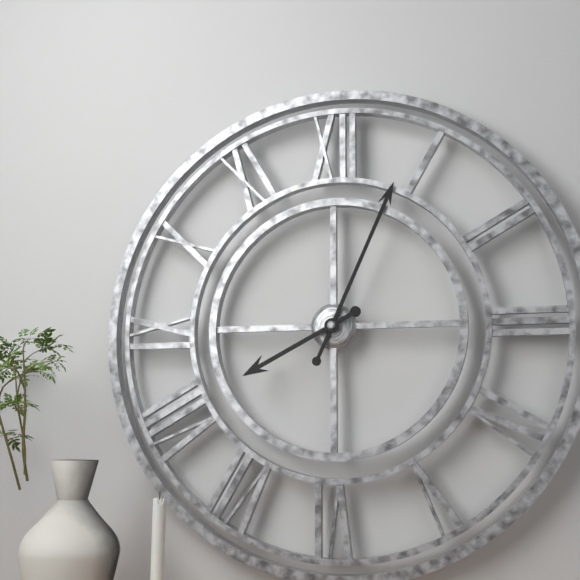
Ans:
h=8 m=4
